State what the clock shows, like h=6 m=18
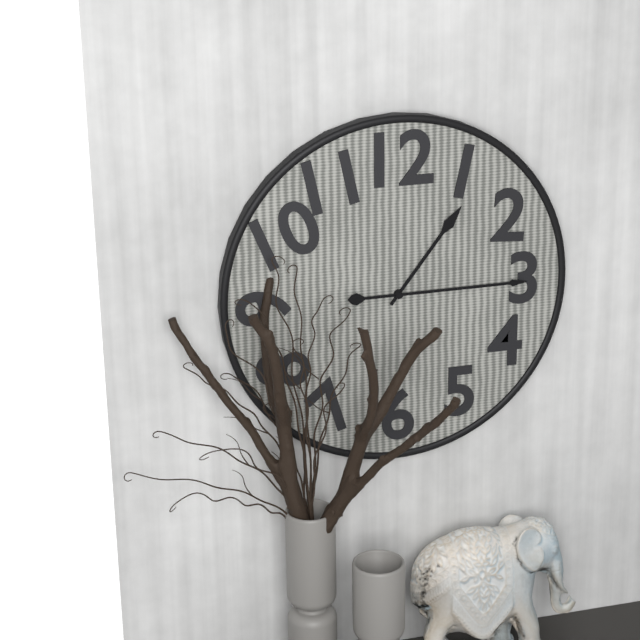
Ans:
h=1 m=15
